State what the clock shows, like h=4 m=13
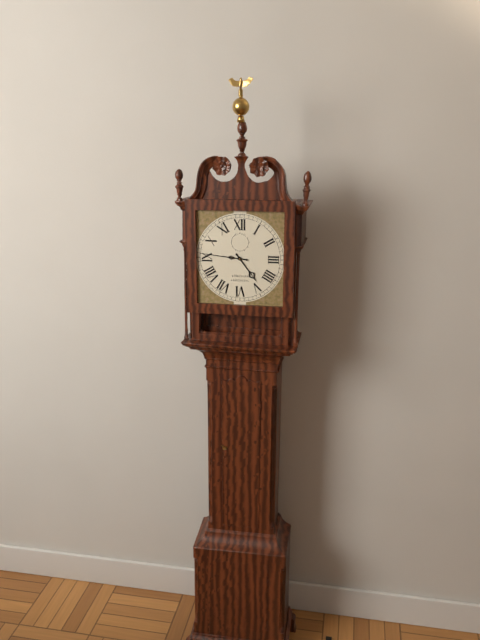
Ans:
h=4 m=46
